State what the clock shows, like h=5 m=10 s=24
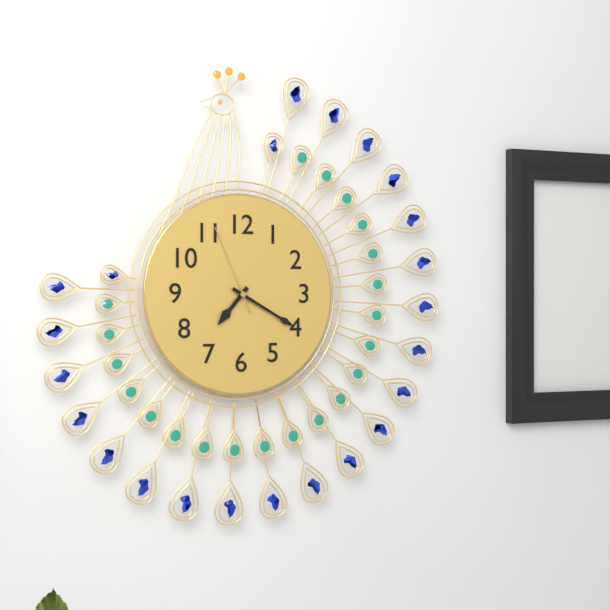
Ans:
h=7 m=20 s=56
